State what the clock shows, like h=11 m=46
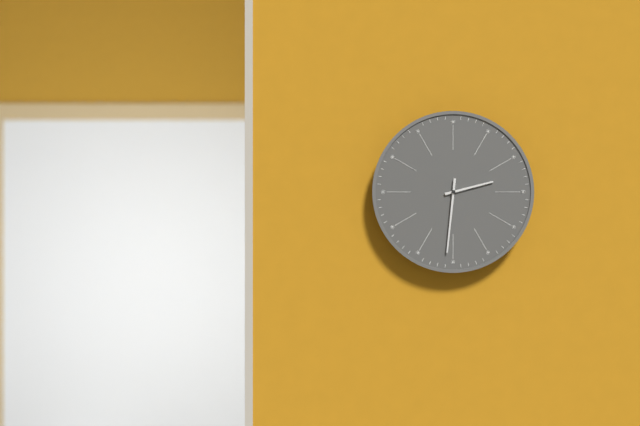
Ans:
h=2 m=31
